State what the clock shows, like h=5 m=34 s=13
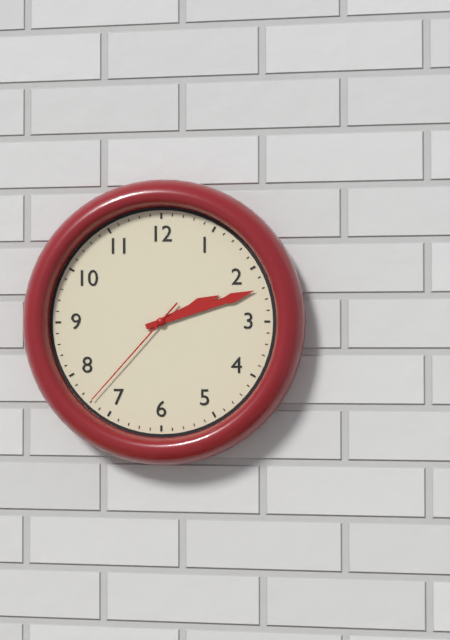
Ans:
h=2 m=12 s=37
